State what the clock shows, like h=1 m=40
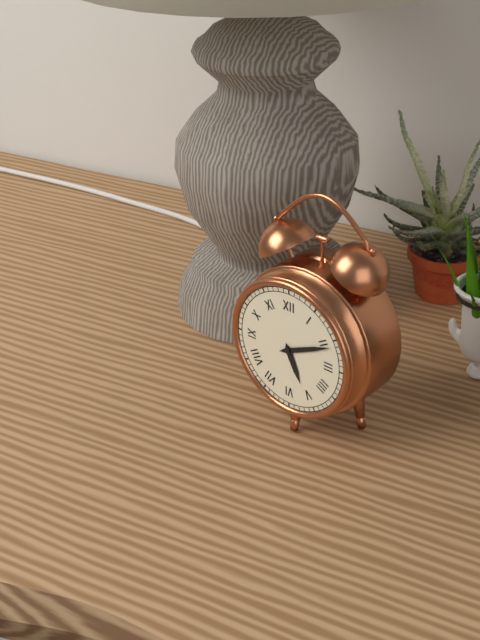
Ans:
h=5 m=11
